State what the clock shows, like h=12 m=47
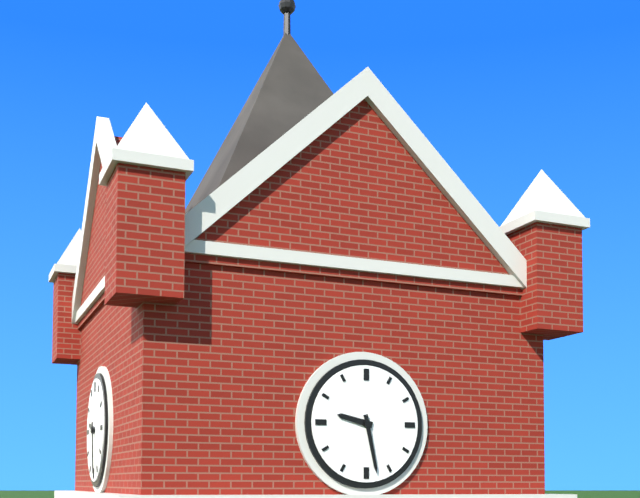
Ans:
h=9 m=28
